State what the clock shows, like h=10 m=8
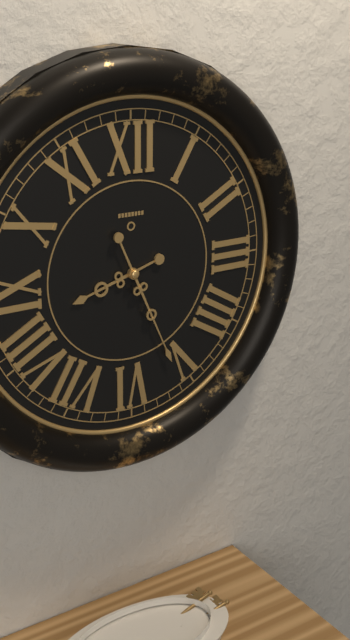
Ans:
h=8 m=26
